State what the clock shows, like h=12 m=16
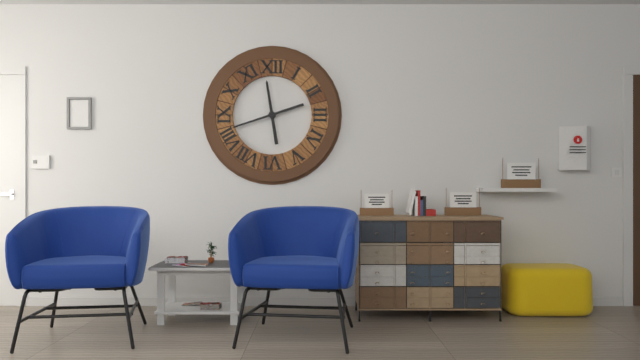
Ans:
h=11 m=42
